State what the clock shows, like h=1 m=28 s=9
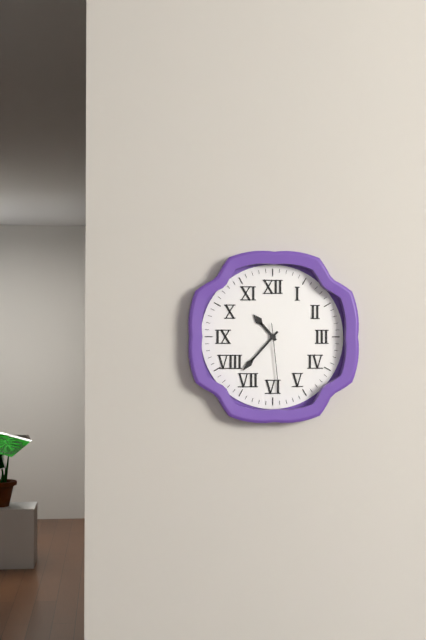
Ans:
h=10 m=37 s=29
